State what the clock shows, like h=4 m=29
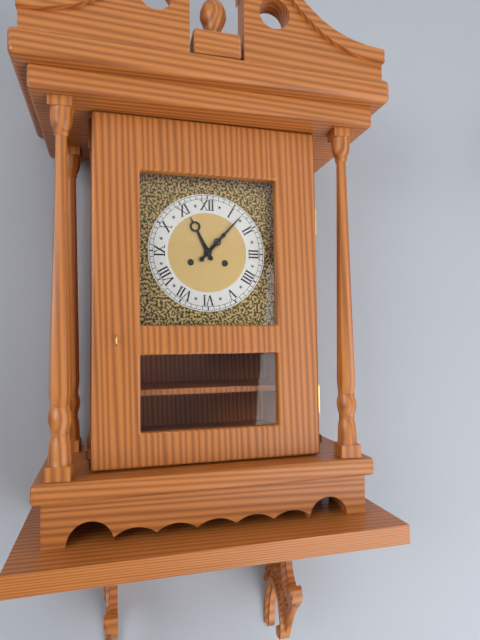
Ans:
h=11 m=7
